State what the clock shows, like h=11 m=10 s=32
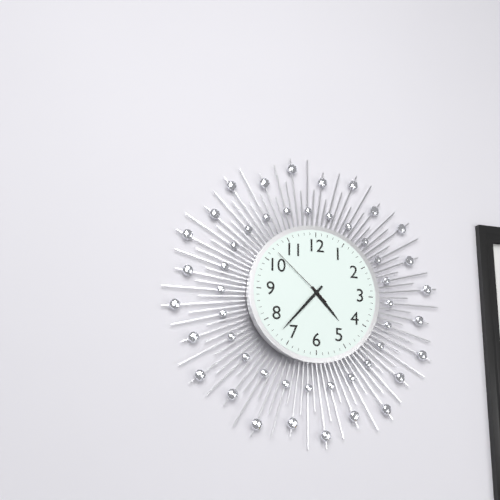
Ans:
h=4 m=37 s=52
